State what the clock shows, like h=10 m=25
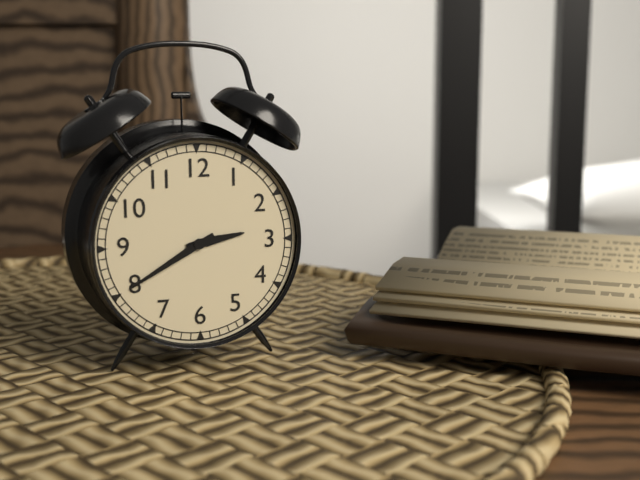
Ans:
h=2 m=40
